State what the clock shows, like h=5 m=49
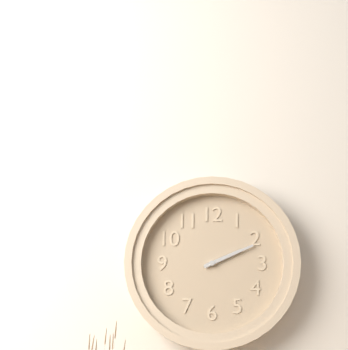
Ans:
h=2 m=11
